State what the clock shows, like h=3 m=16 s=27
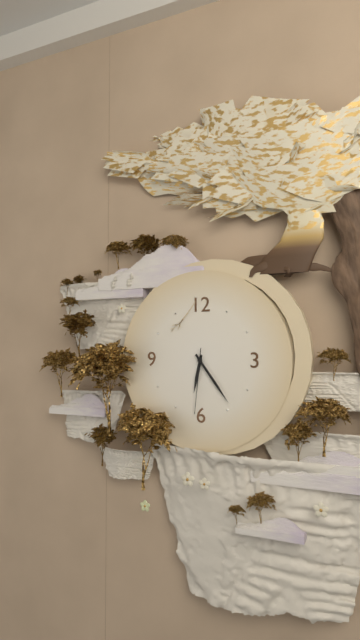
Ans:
h=6 m=24 s=31
